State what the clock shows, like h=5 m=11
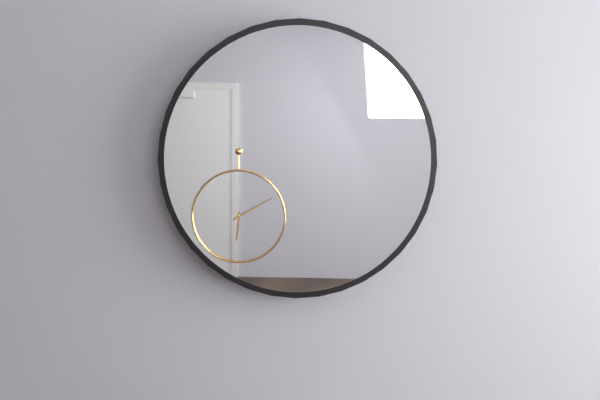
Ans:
h=6 m=10
